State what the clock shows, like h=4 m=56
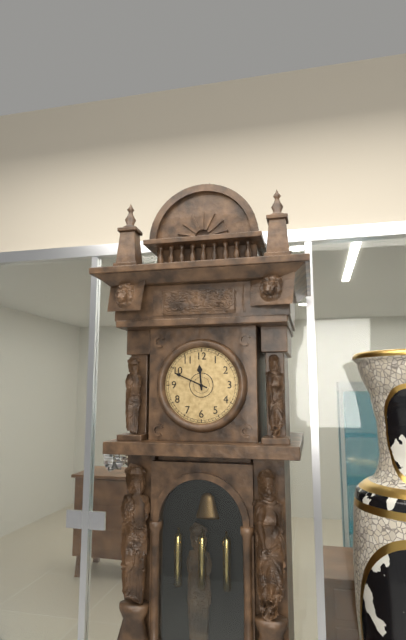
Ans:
h=11 m=49
